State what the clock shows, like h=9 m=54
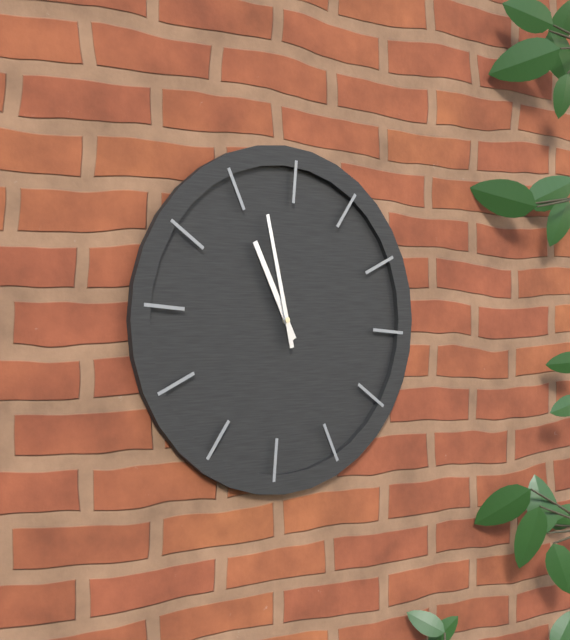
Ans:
h=10 m=57
